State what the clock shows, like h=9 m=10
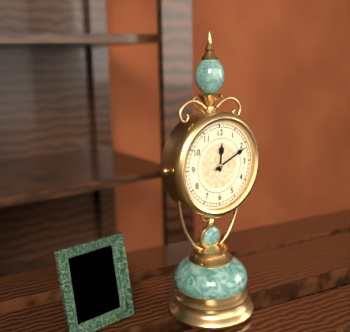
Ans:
h=12 m=11
